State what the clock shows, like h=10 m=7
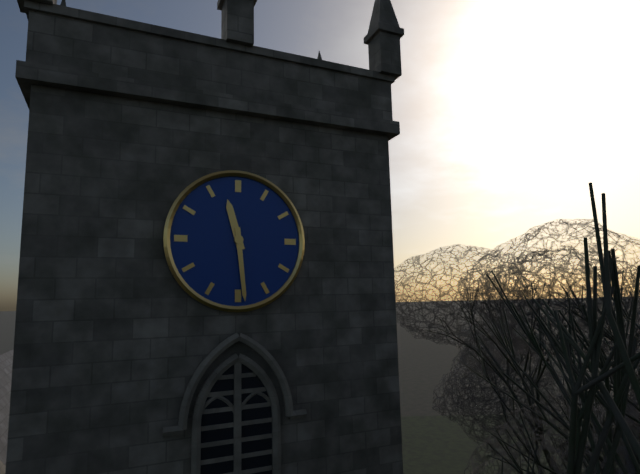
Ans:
h=11 m=29
